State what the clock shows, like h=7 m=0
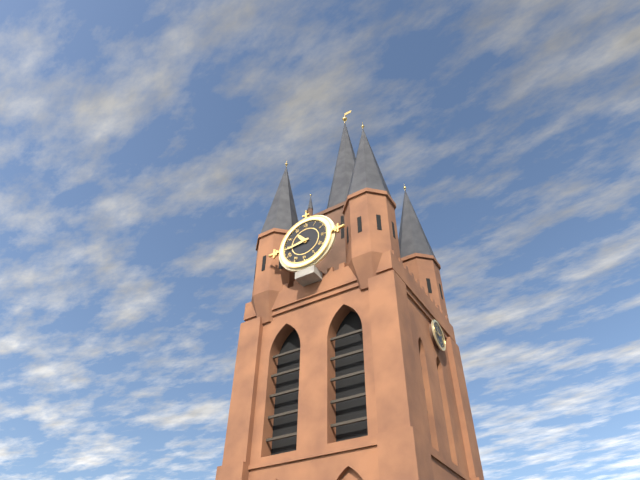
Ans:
h=10 m=44
